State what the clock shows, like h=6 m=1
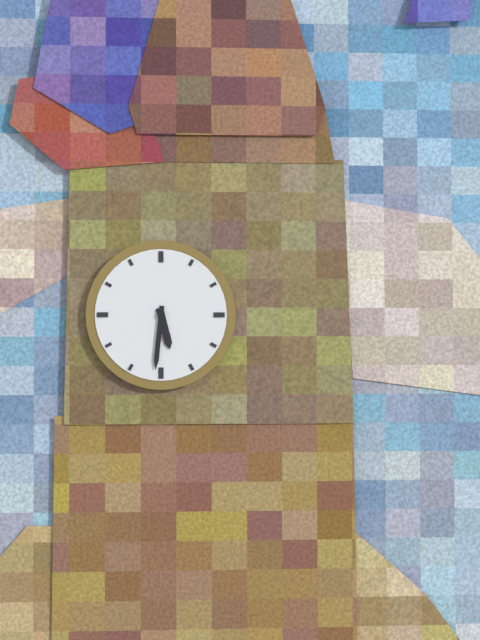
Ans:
h=5 m=31
